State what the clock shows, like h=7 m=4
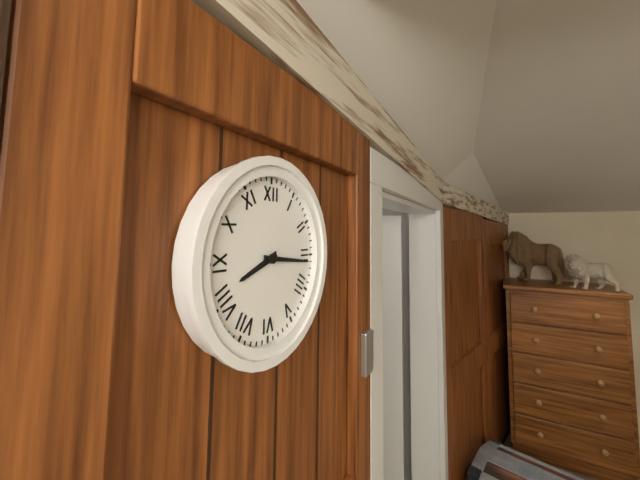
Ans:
h=8 m=16
